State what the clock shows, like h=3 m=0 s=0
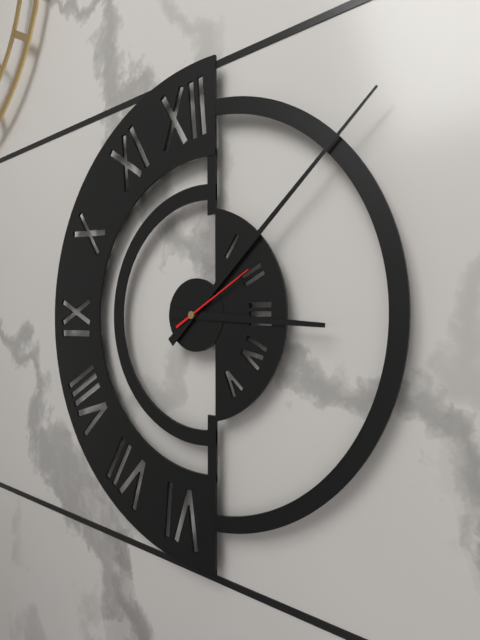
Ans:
h=3 m=8 s=10
